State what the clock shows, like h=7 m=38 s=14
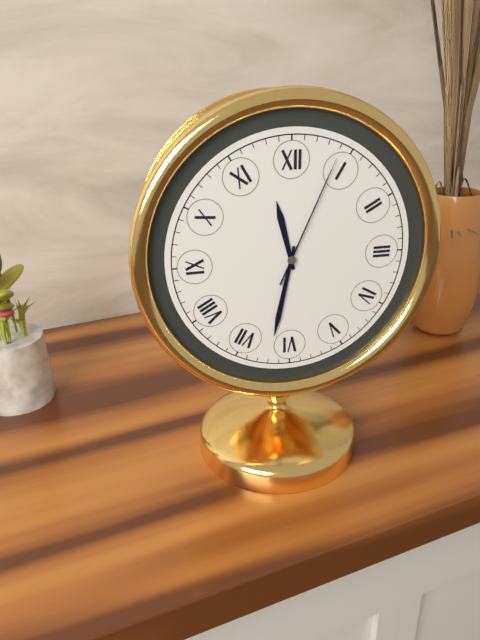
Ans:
h=11 m=32 s=4
